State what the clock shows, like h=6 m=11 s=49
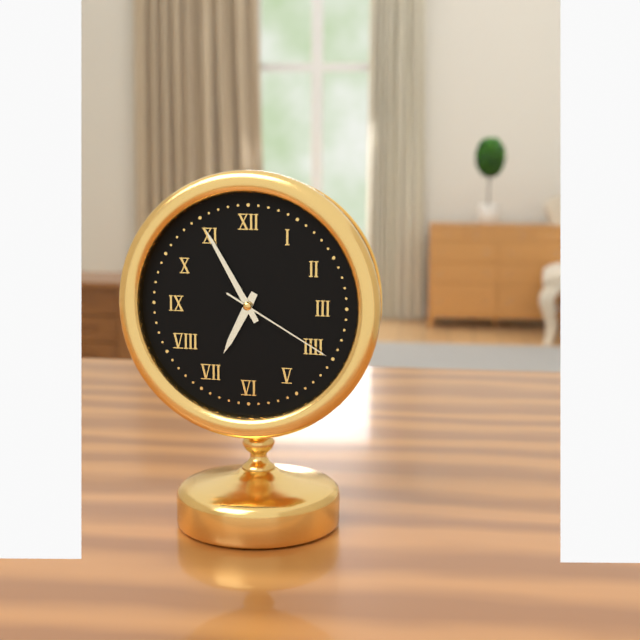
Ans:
h=6 m=55 s=20
